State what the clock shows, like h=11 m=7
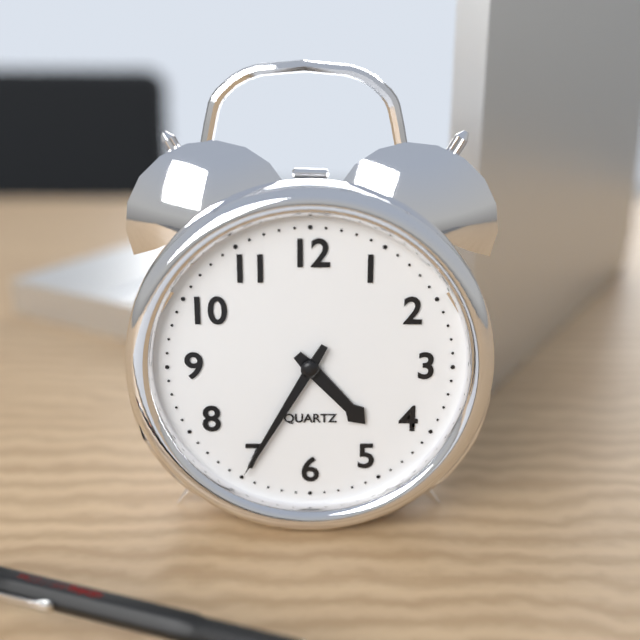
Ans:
h=4 m=35
